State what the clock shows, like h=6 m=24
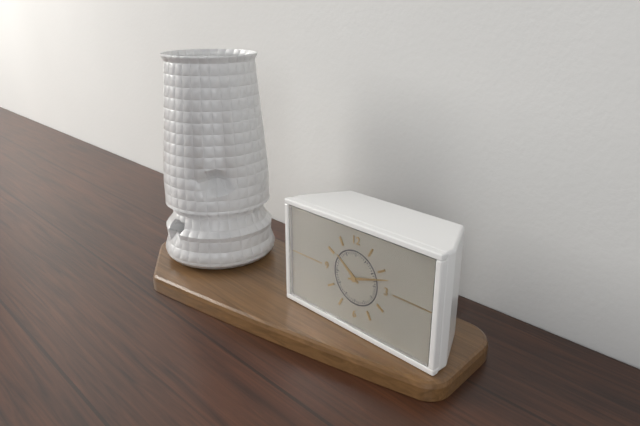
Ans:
h=10 m=12
